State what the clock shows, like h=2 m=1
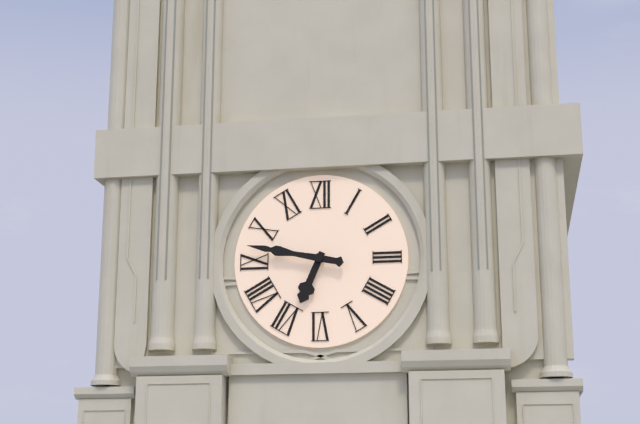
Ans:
h=6 m=47
